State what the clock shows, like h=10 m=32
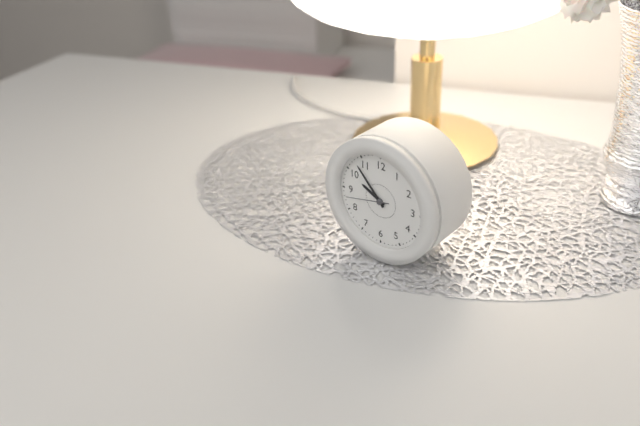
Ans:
h=9 m=53
